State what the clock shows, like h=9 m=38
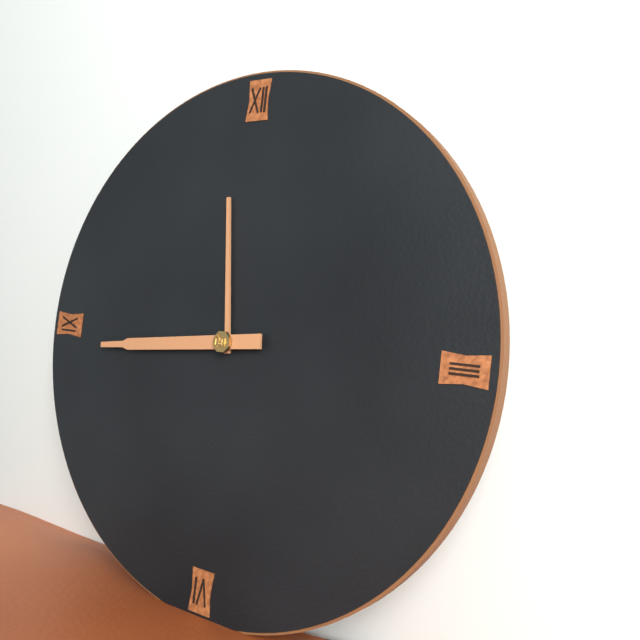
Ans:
h=11 m=44
